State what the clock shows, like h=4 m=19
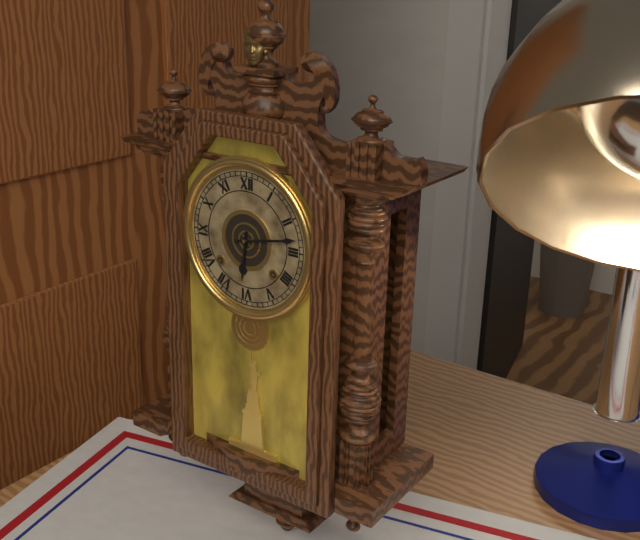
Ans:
h=6 m=13
